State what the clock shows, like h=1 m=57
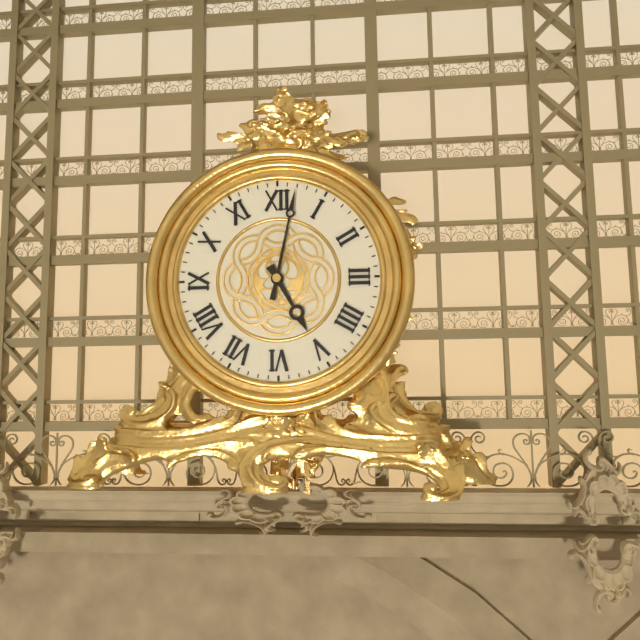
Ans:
h=5 m=2
